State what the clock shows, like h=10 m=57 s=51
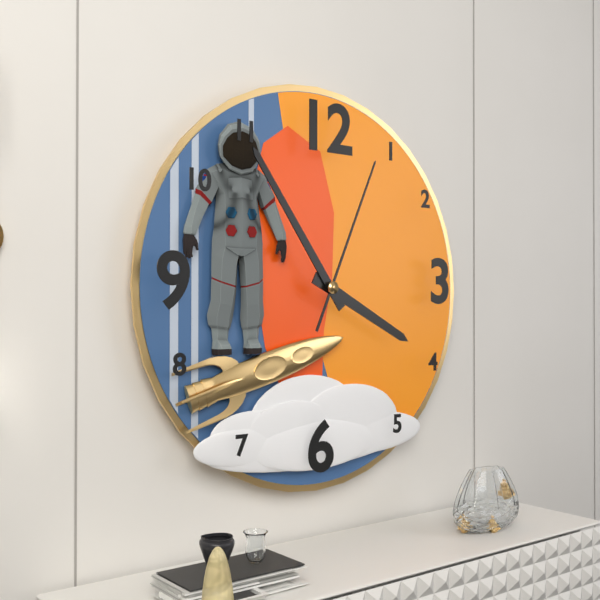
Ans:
h=3 m=54 s=4
